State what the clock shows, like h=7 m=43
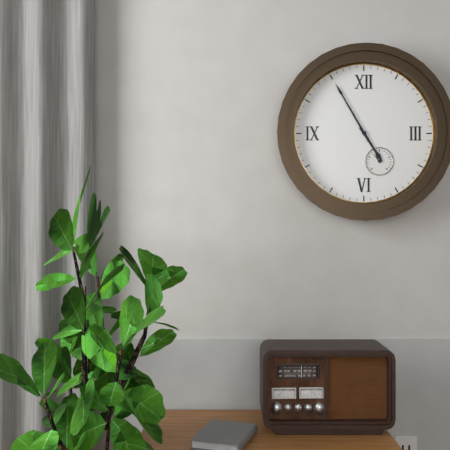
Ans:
h=4 m=55
